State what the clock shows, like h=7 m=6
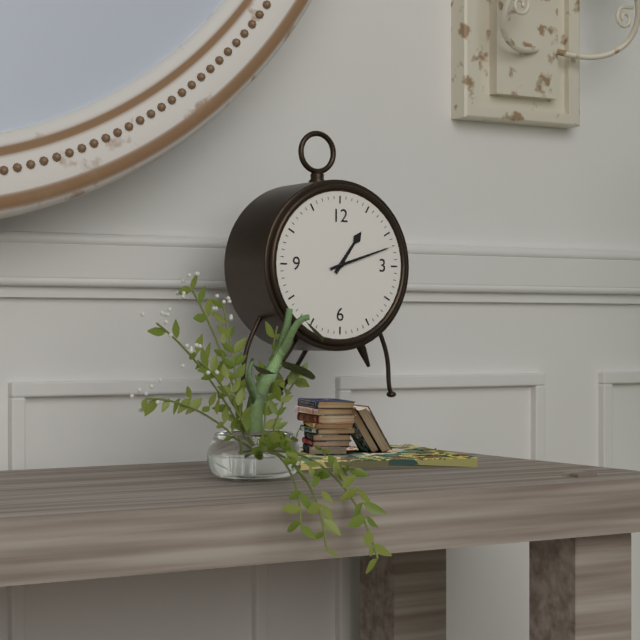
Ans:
h=1 m=12
